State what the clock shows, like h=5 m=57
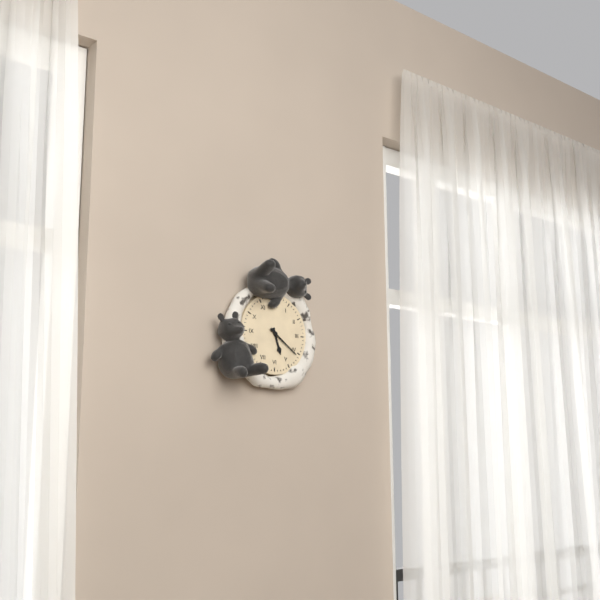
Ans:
h=5 m=21
